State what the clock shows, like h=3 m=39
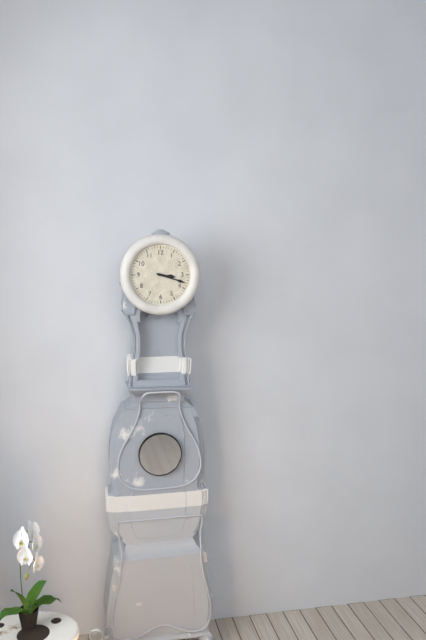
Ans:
h=3 m=18
